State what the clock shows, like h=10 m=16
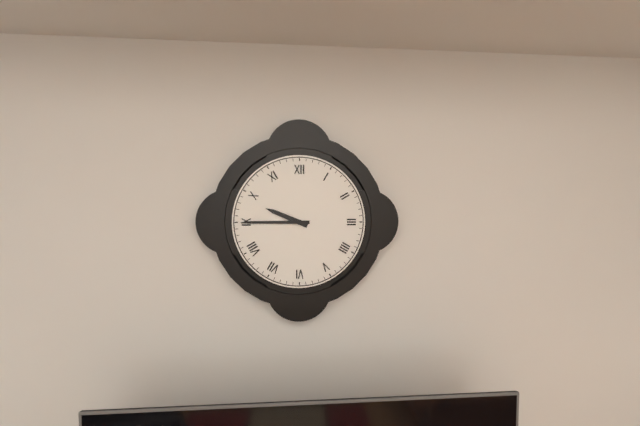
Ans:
h=9 m=45
